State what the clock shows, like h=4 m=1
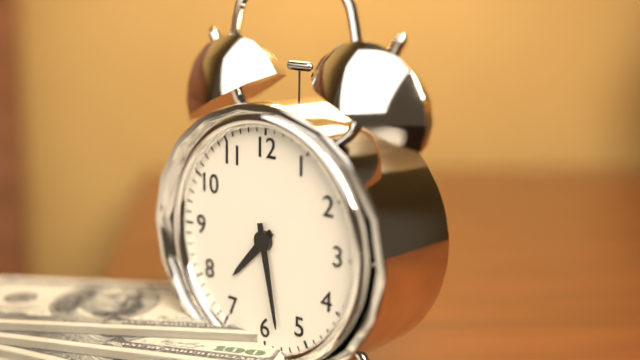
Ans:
h=7 m=28
